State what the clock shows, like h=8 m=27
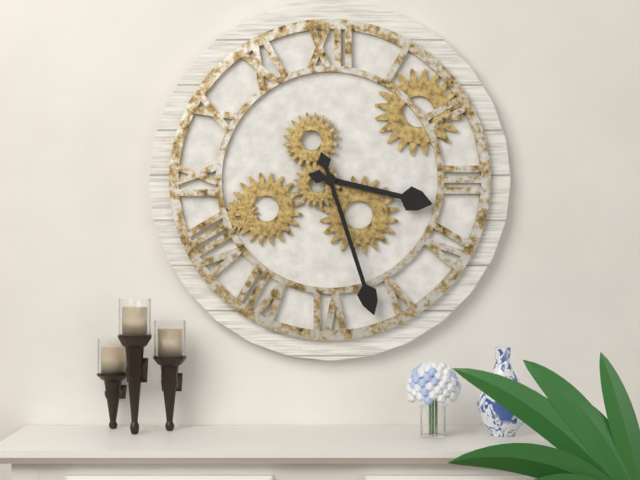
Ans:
h=3 m=27
